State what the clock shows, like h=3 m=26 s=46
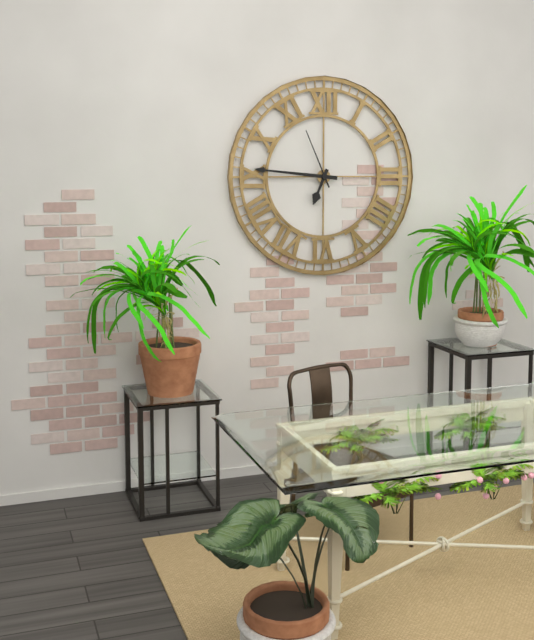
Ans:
h=6 m=46 s=56
